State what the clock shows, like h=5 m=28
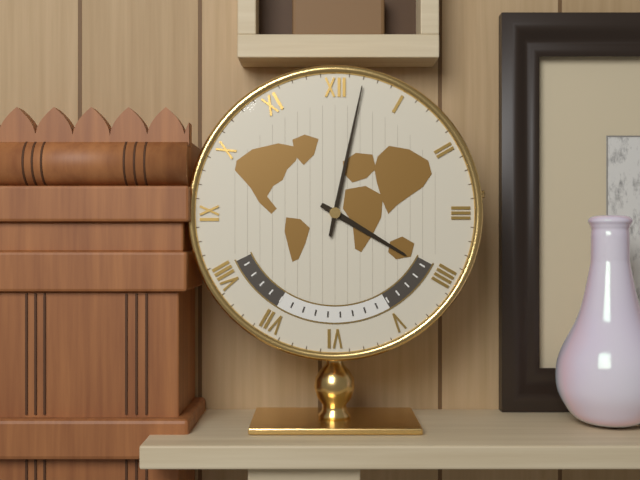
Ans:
h=4 m=2
